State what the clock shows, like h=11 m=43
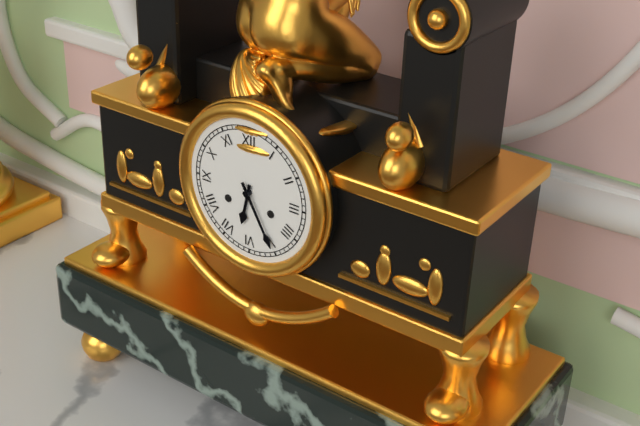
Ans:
h=6 m=25
